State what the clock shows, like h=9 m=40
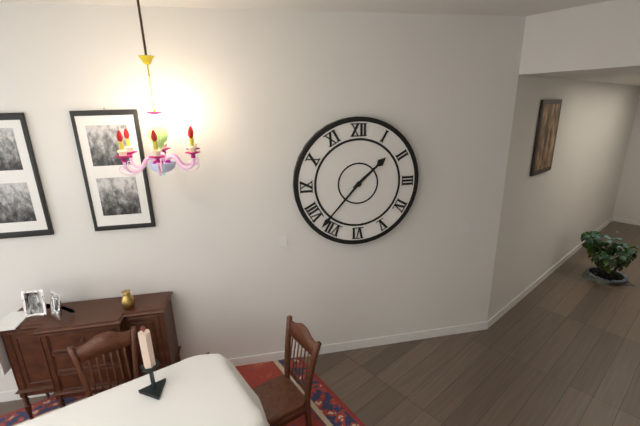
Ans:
h=1 m=37
